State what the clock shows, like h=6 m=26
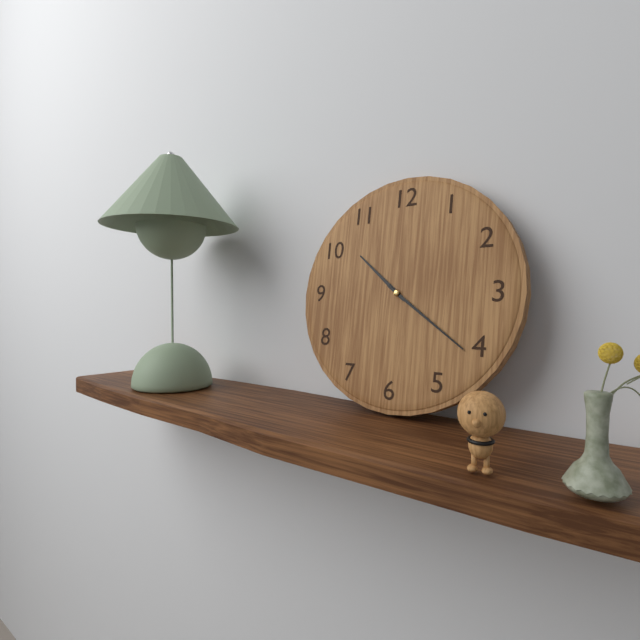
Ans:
h=10 m=21
